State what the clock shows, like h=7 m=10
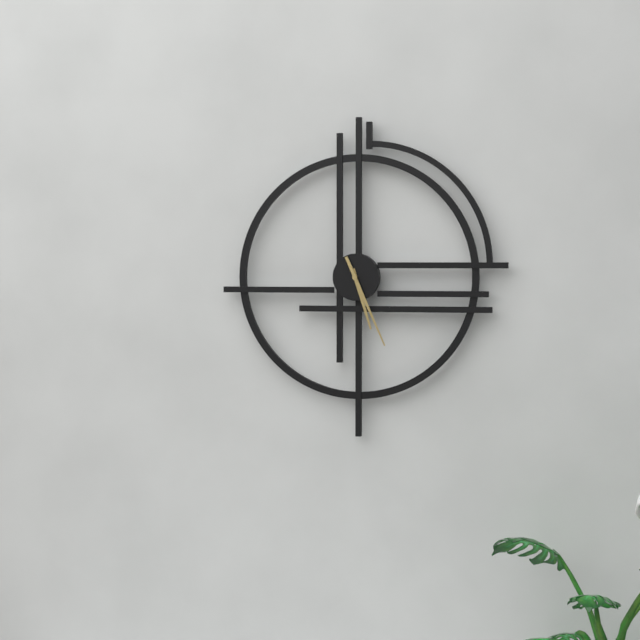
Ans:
h=5 m=26
